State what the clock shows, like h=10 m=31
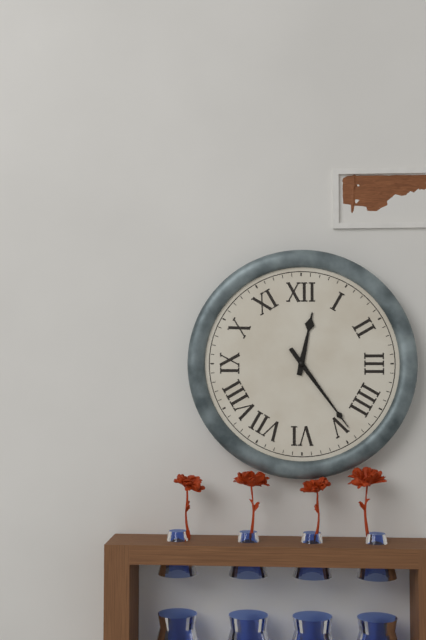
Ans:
h=12 m=24
